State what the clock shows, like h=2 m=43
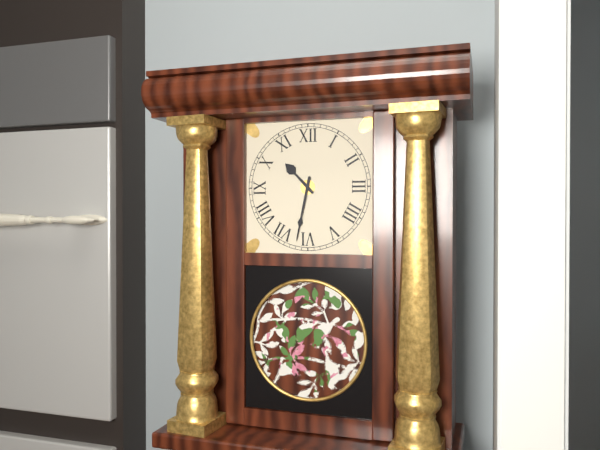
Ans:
h=10 m=32
